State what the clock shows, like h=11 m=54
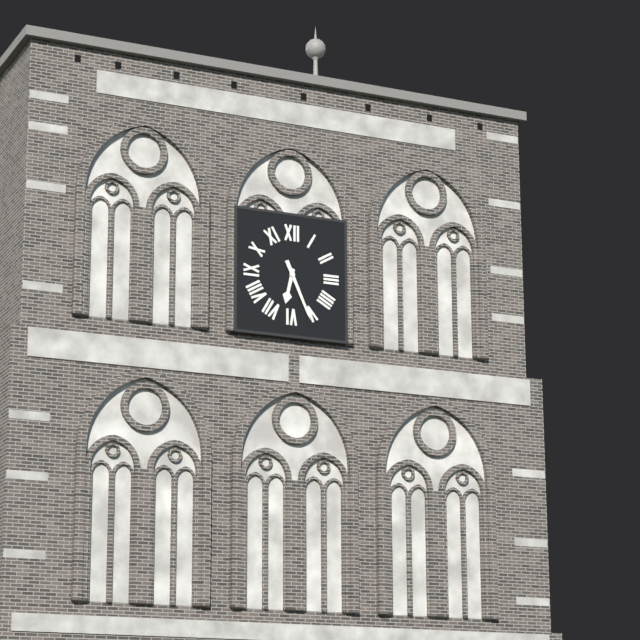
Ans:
h=6 m=26
